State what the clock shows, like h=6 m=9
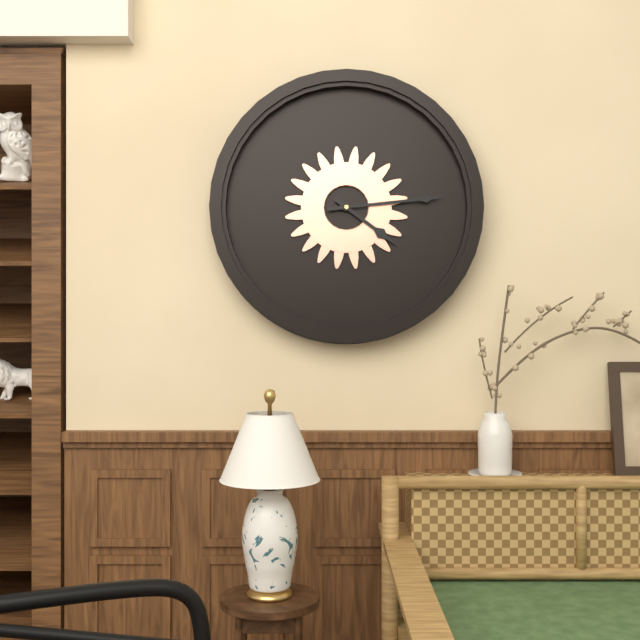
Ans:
h=4 m=14
